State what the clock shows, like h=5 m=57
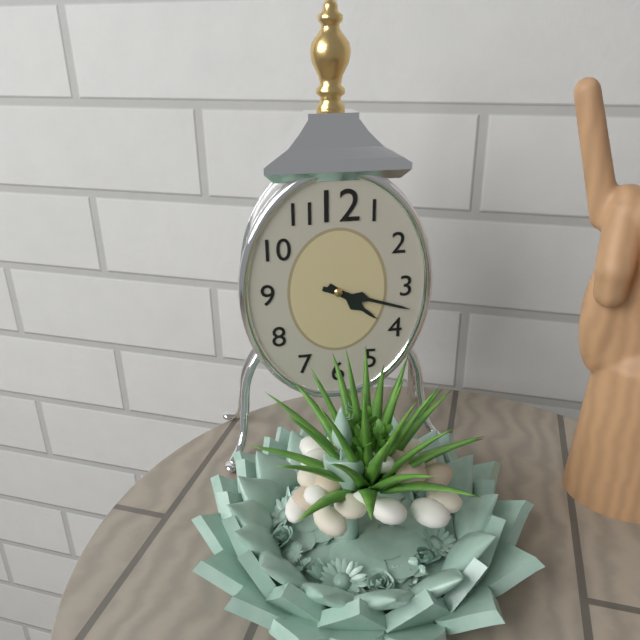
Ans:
h=4 m=18
